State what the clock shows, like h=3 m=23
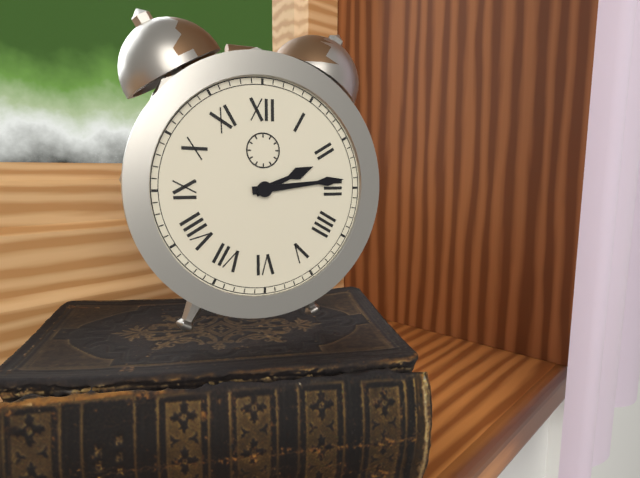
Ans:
h=2 m=14
